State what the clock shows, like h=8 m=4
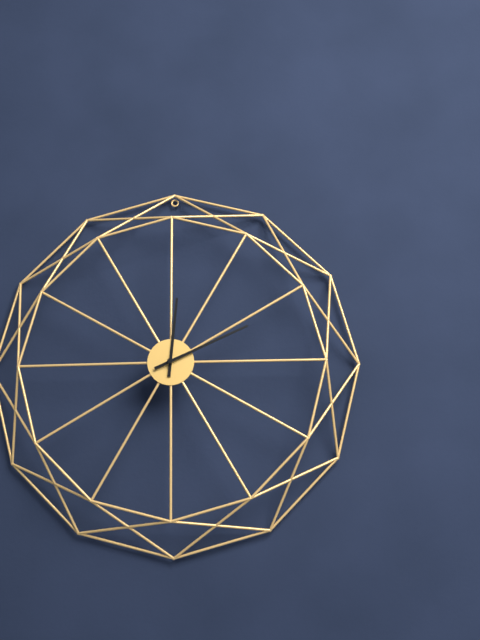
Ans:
h=12 m=11
